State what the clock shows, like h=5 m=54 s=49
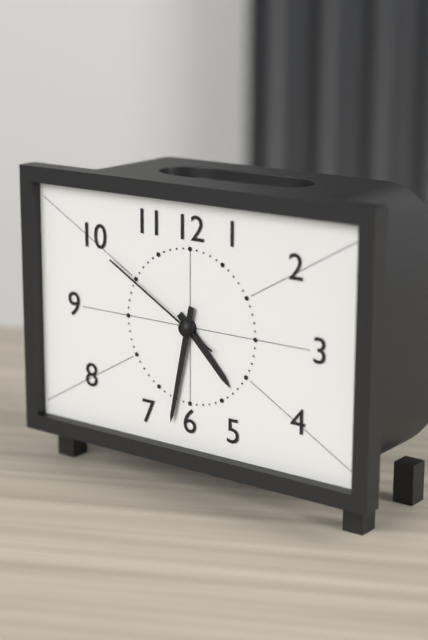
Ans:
h=4 m=32 s=50
